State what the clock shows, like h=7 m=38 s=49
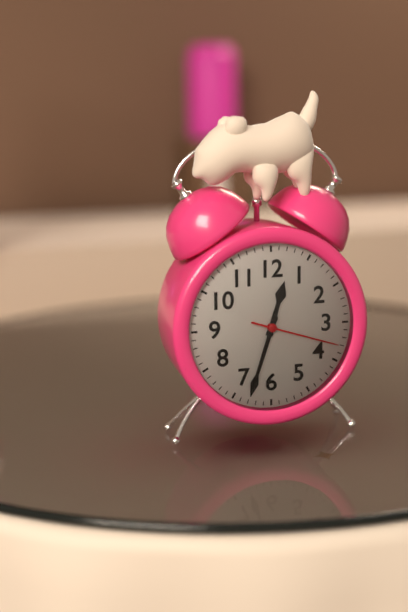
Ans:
h=12 m=33 s=18
